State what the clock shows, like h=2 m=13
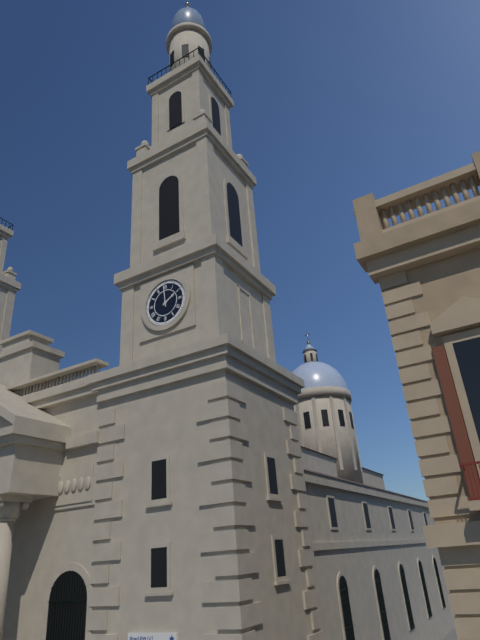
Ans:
h=1 m=59
